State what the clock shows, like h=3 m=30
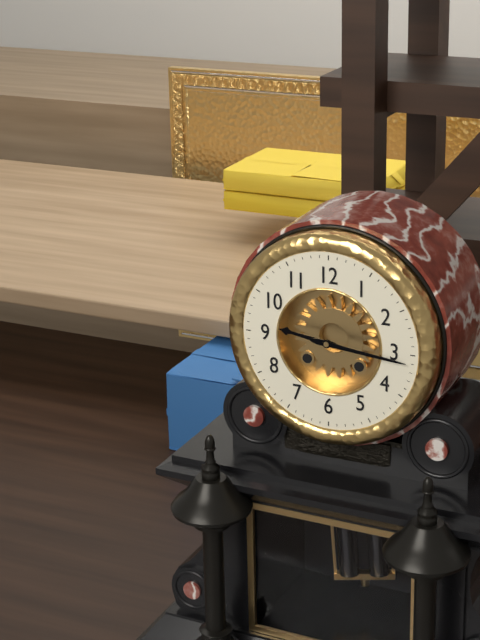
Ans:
h=9 m=16
